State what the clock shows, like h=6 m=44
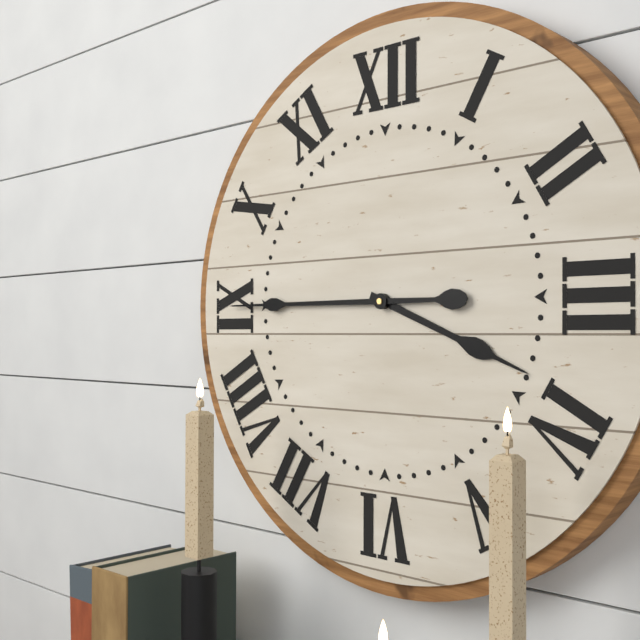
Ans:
h=3 m=45
